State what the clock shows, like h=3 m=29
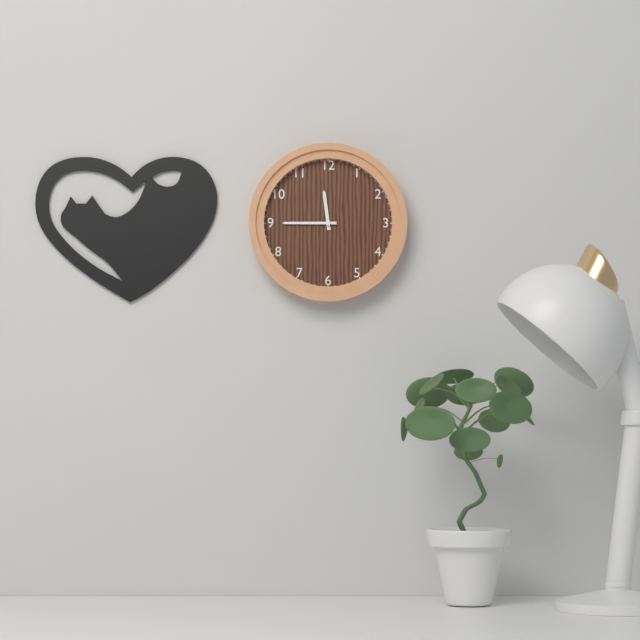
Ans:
h=11 m=45
